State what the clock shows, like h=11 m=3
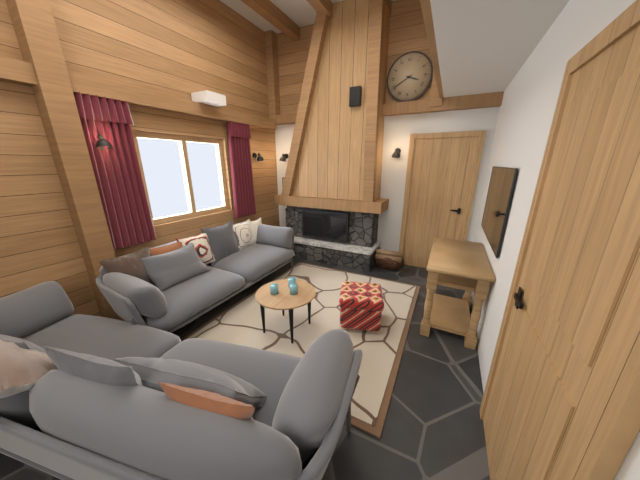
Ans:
h=3 m=40
